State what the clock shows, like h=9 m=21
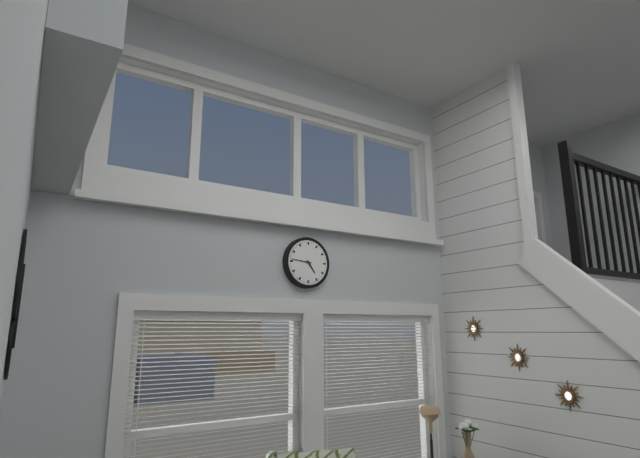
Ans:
h=4 m=46
